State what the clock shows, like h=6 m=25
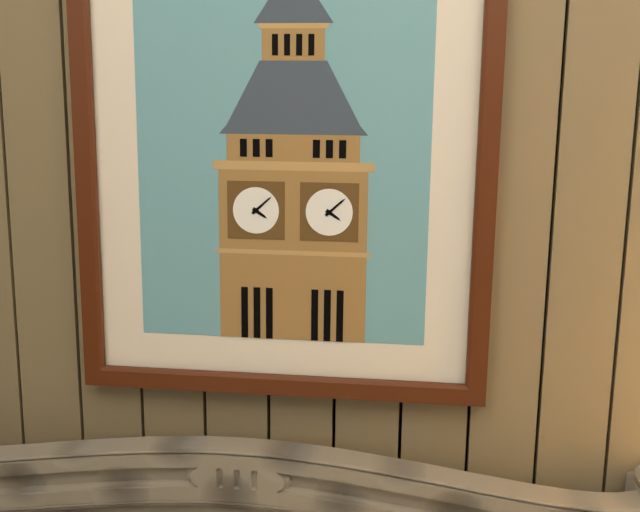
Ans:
h=4 m=8
